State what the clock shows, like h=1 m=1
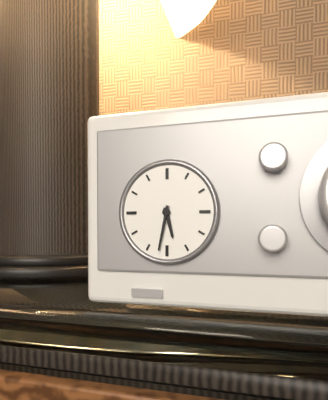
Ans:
h=5 m=32
